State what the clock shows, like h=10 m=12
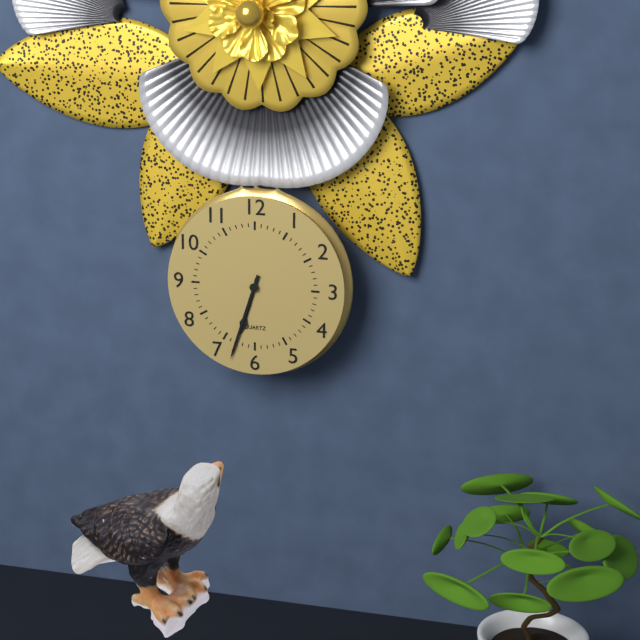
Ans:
h=6 m=33
